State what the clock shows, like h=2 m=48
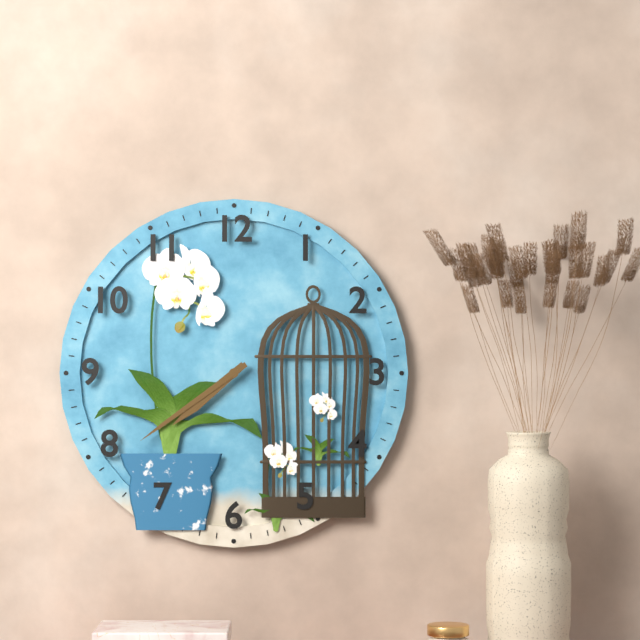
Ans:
h=7 m=39
